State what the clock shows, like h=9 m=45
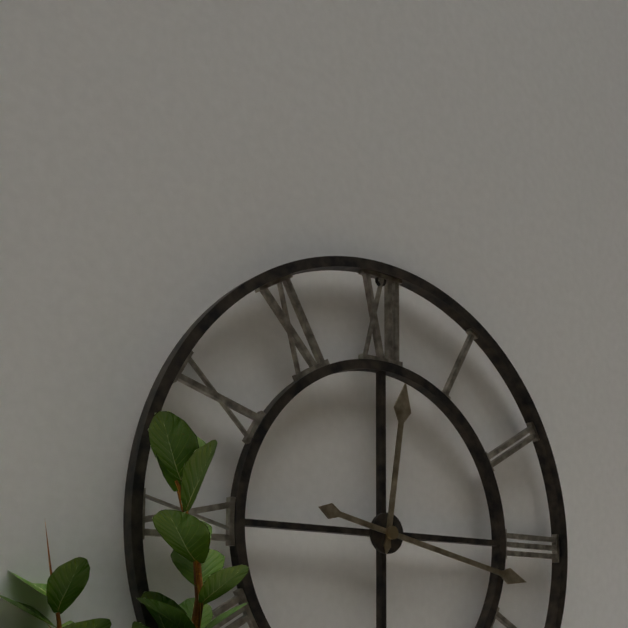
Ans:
h=12 m=17
